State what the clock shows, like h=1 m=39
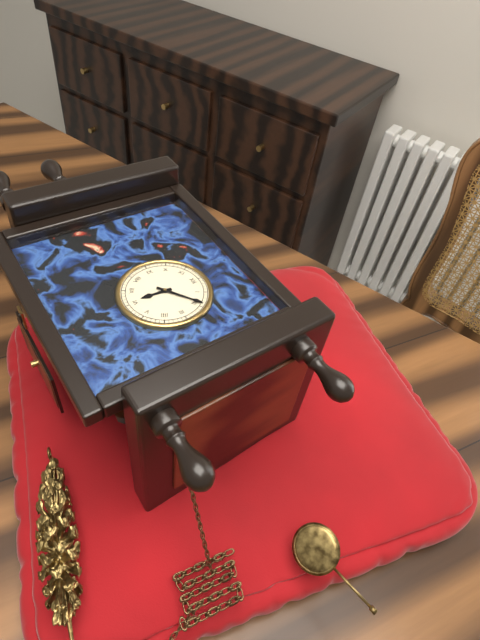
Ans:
h=6 m=9
